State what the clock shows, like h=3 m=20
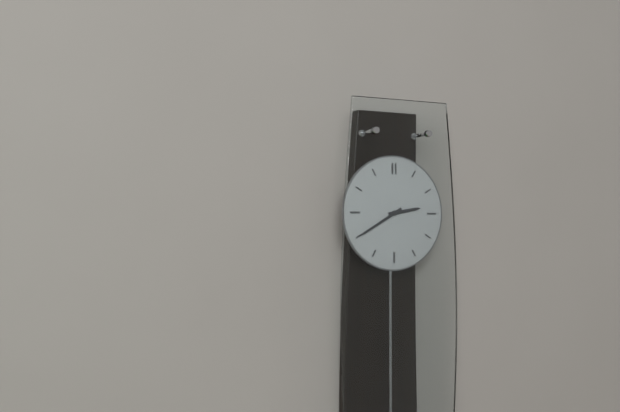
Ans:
h=2 m=40
